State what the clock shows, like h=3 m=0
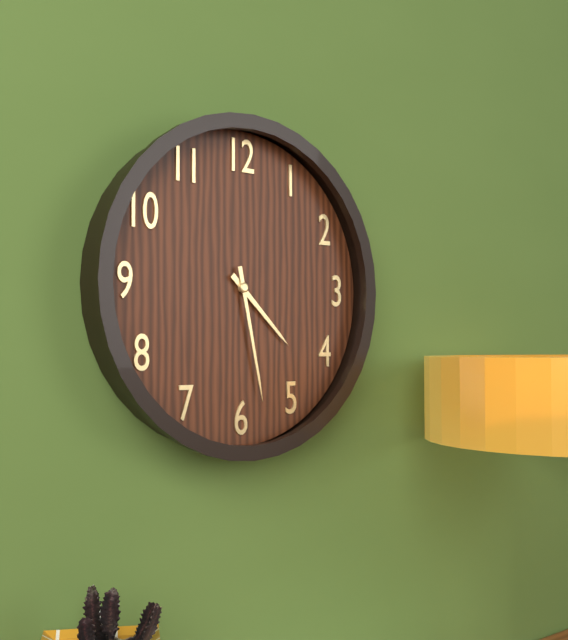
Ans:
h=4 m=28
